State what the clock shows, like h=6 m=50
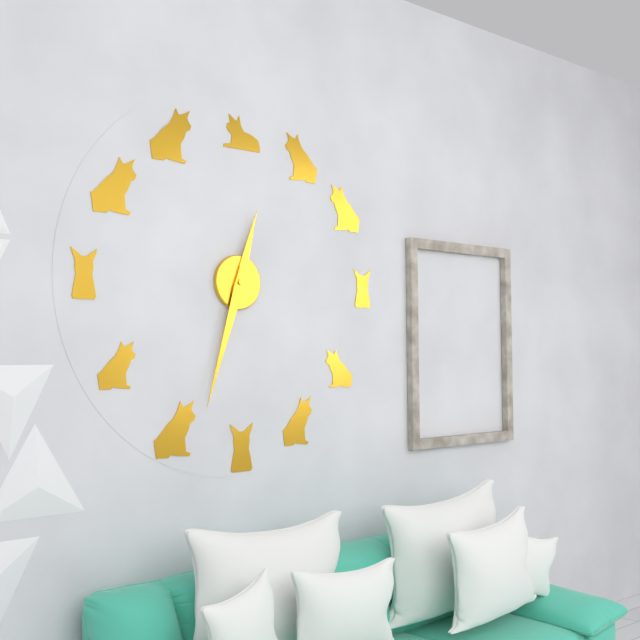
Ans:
h=12 m=33
